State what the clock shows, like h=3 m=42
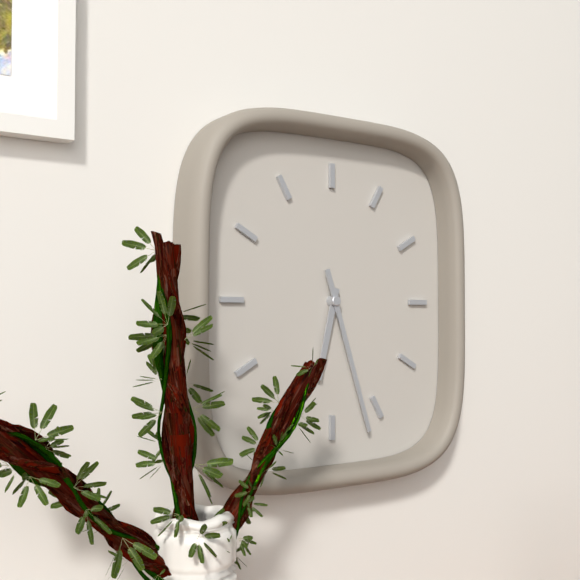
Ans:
h=6 m=27
